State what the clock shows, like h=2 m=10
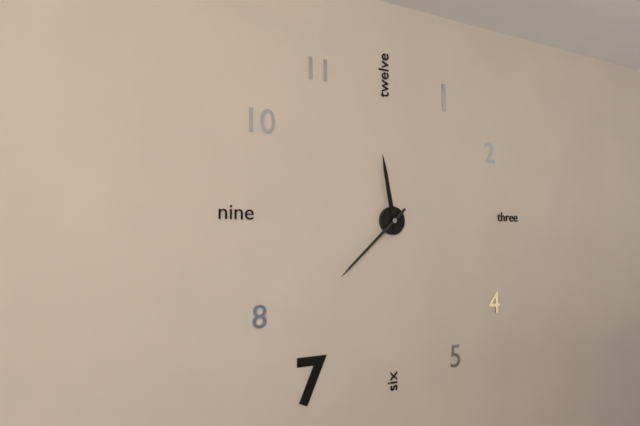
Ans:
h=11 m=38
